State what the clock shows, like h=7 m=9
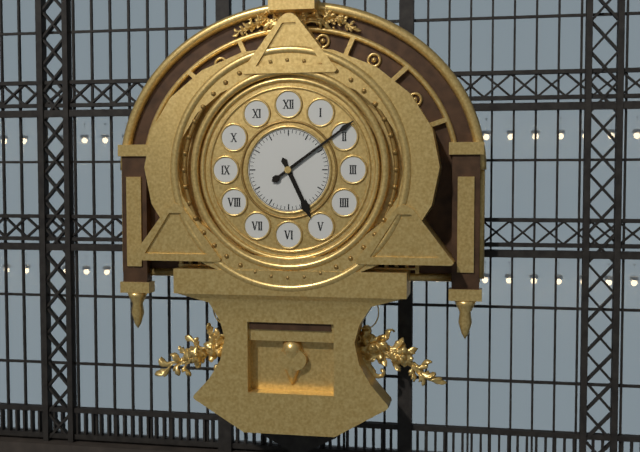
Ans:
h=5 m=9
